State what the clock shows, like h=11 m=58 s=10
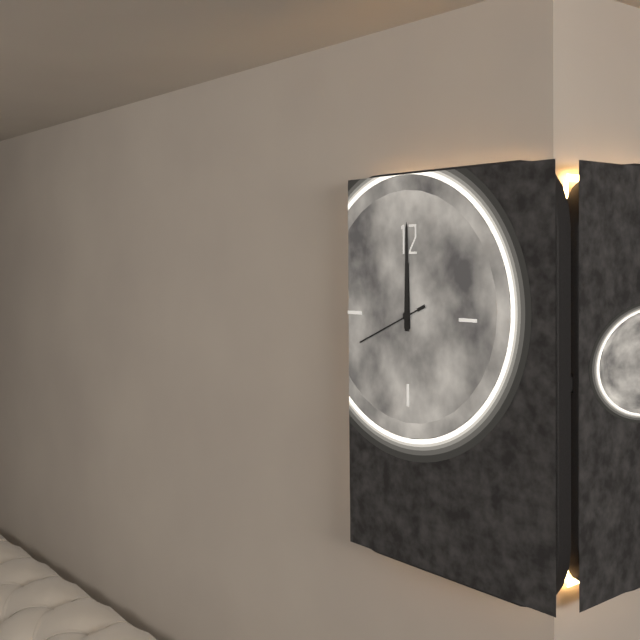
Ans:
h=12 m=0 s=41
